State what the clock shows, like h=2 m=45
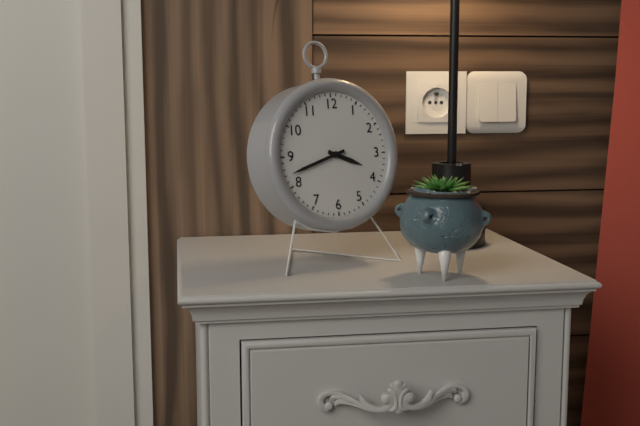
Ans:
h=3 m=42
